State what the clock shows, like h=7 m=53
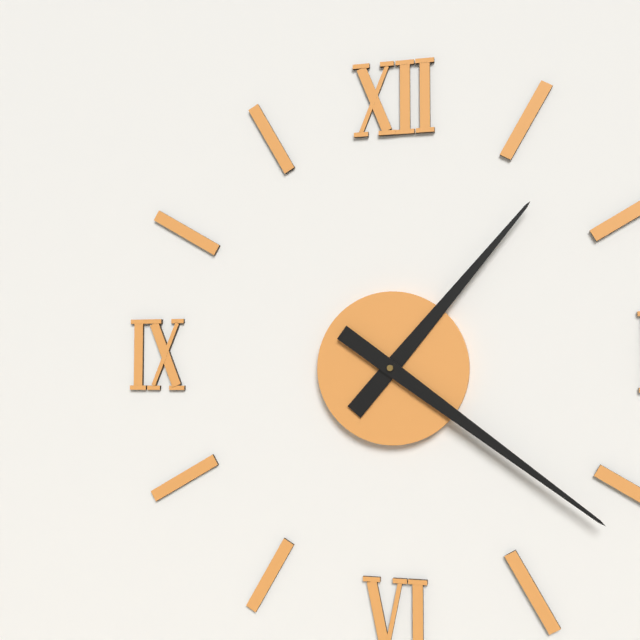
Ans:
h=1 m=21
